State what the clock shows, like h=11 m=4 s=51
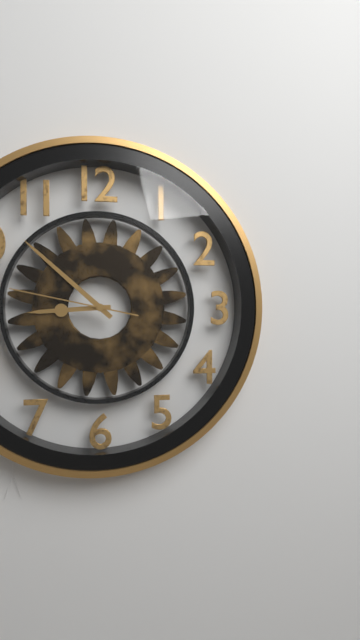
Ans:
h=8 m=52 s=47
